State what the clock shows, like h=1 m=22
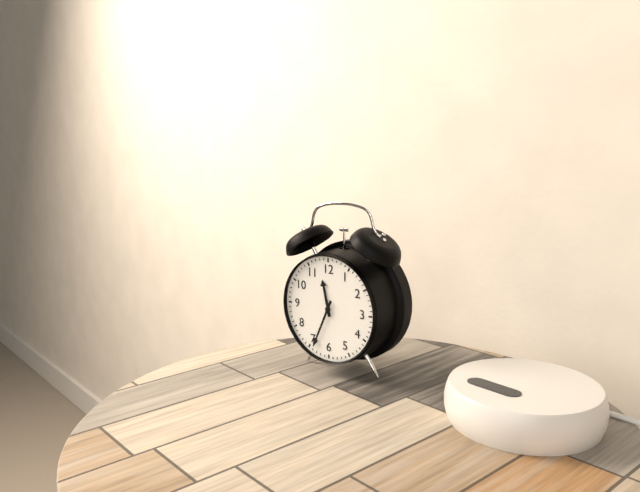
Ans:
h=11 m=34
